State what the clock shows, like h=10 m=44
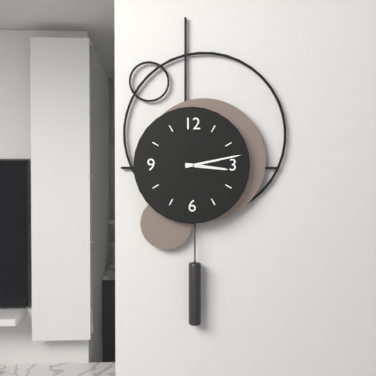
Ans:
h=3 m=13
